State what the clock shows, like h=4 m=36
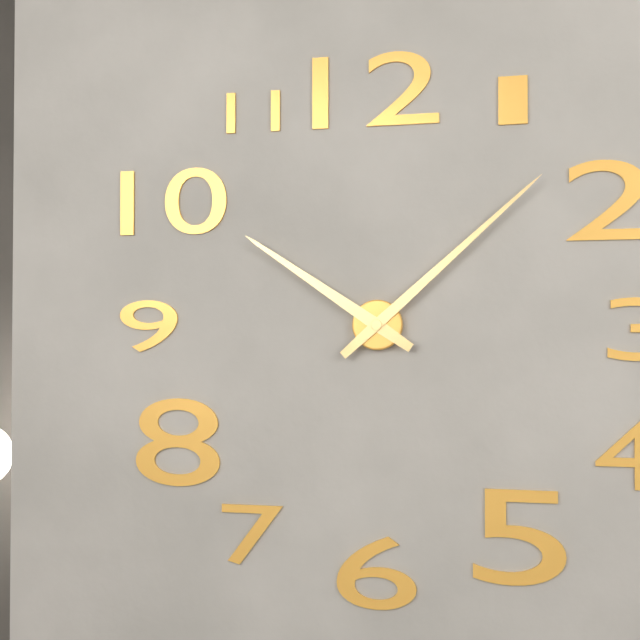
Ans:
h=10 m=8
